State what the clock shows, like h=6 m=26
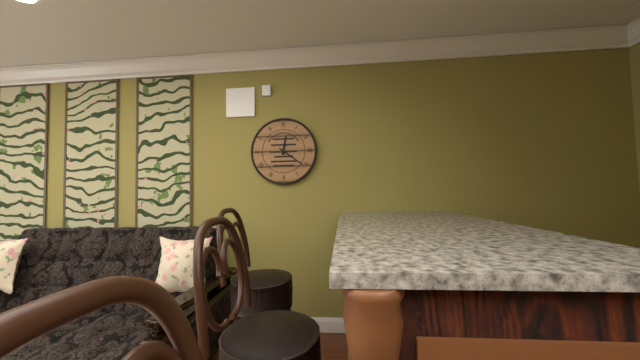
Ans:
h=12 m=21
